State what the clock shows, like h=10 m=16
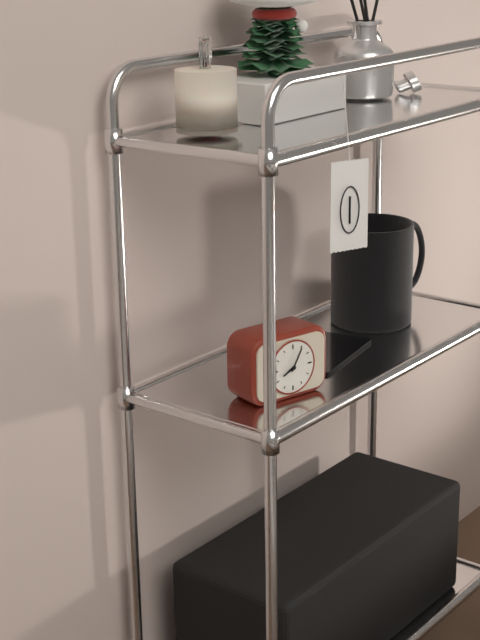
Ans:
h=8 m=5
